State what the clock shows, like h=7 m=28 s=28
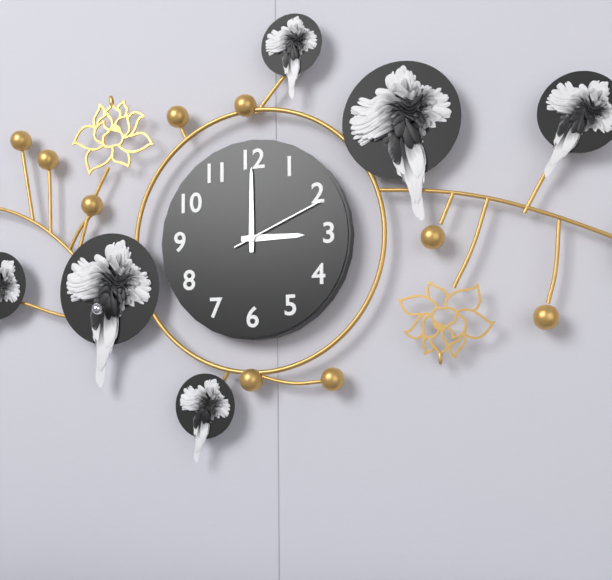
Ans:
h=3 m=0 s=11
